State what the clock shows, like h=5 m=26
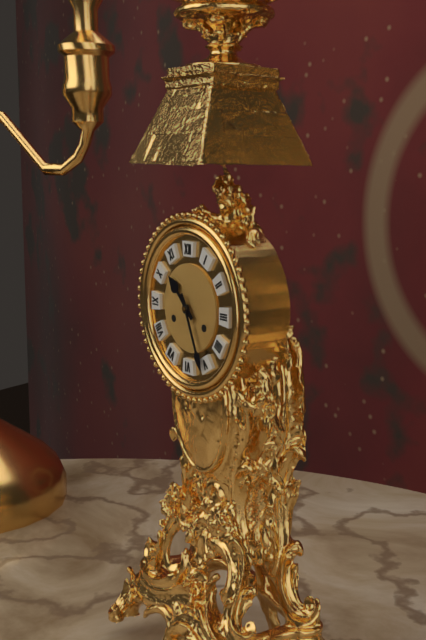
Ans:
h=10 m=26
